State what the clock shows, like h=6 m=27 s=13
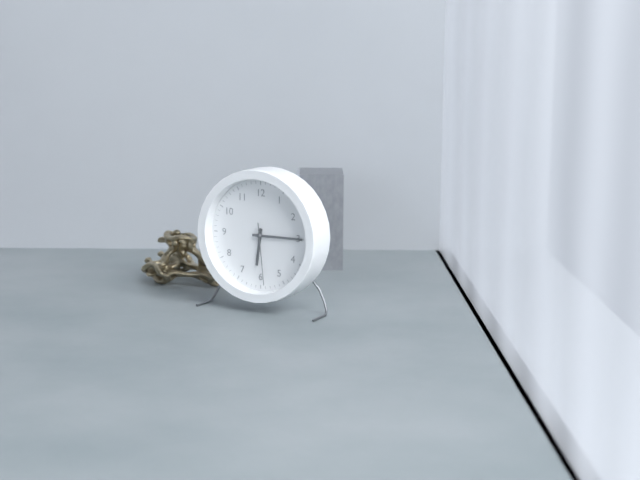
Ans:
h=6 m=15 s=29
